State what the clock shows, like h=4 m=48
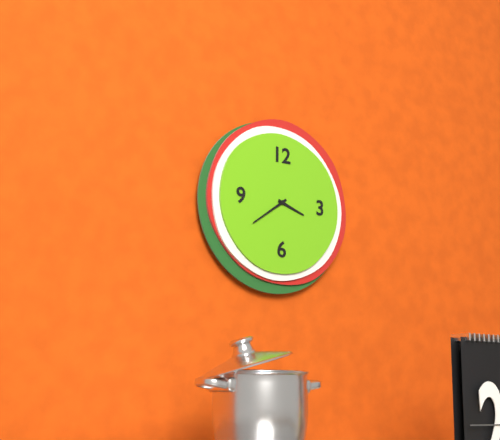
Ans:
h=3 m=39
